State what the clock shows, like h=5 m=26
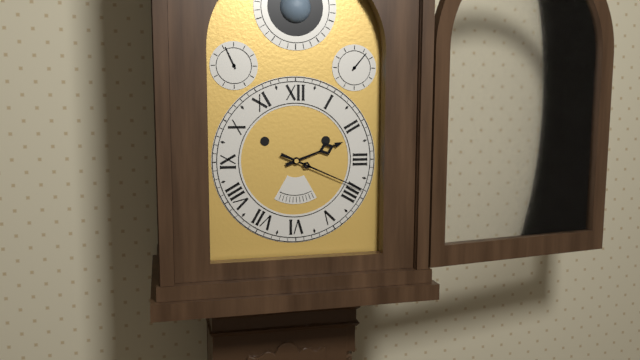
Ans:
h=2 m=19
